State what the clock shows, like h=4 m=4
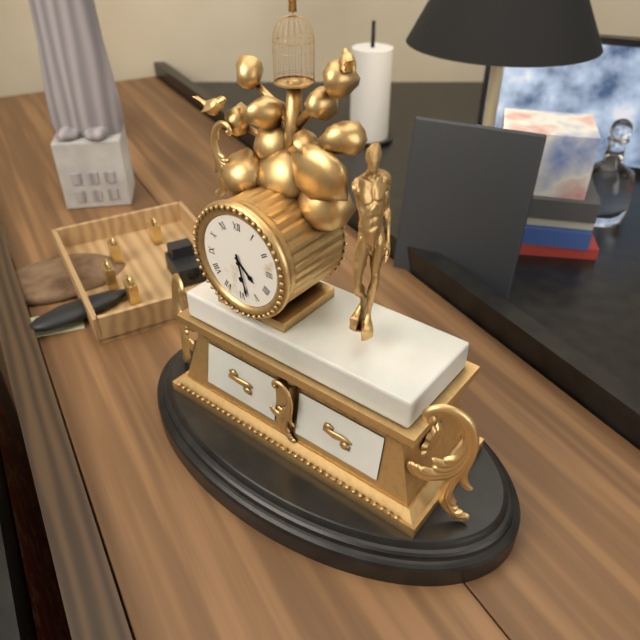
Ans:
h=4 m=28
